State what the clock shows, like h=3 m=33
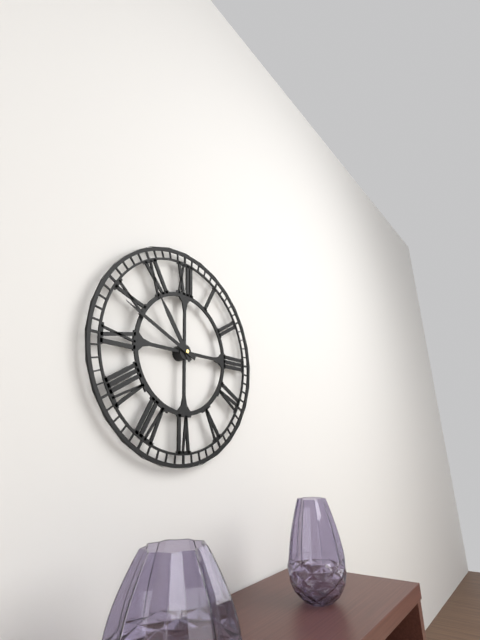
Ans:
h=10 m=49
